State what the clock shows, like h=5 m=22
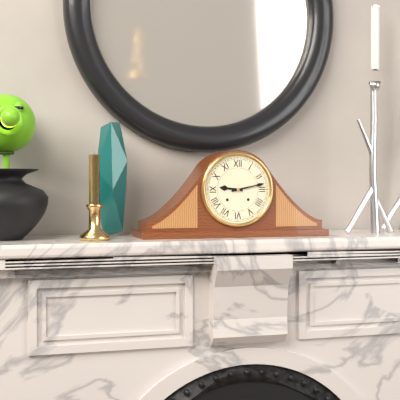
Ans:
h=9 m=13
